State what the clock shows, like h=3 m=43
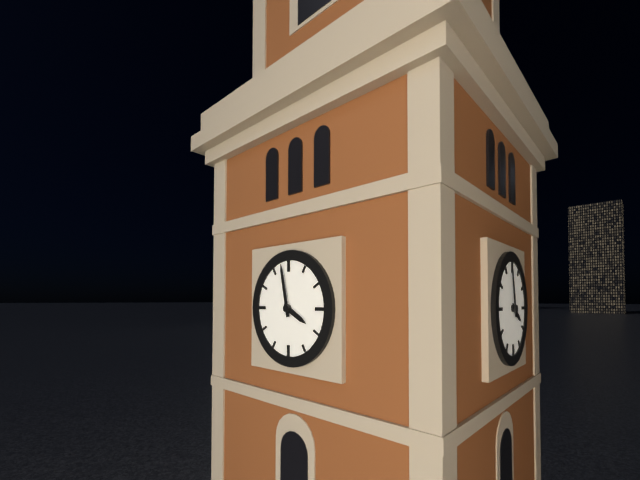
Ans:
h=3 m=58
